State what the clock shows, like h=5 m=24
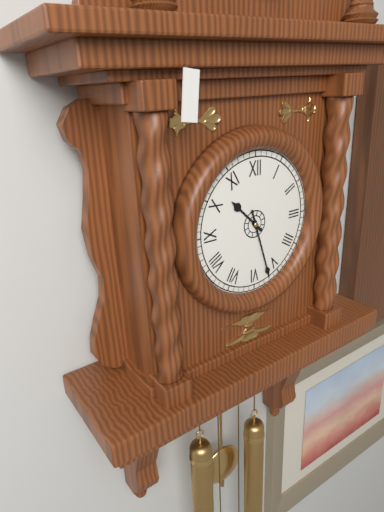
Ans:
h=10 m=27
